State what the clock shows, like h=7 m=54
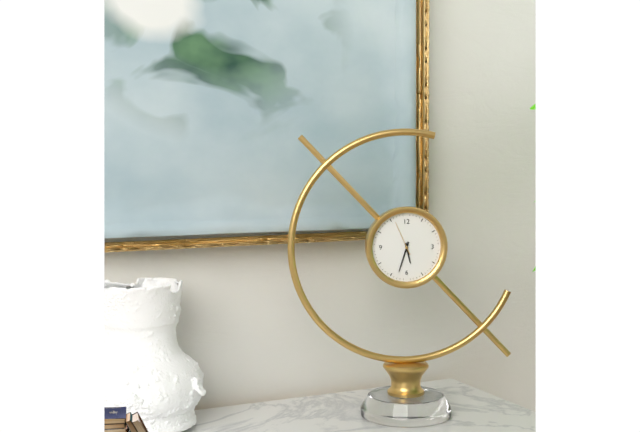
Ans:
h=5 m=33
